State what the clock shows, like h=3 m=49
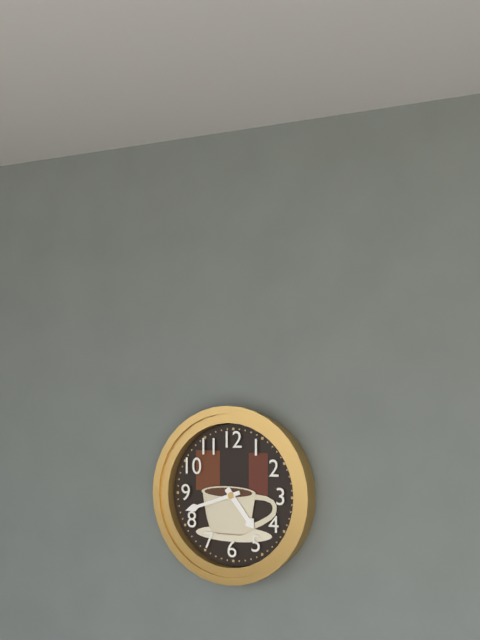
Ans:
h=4 m=42
